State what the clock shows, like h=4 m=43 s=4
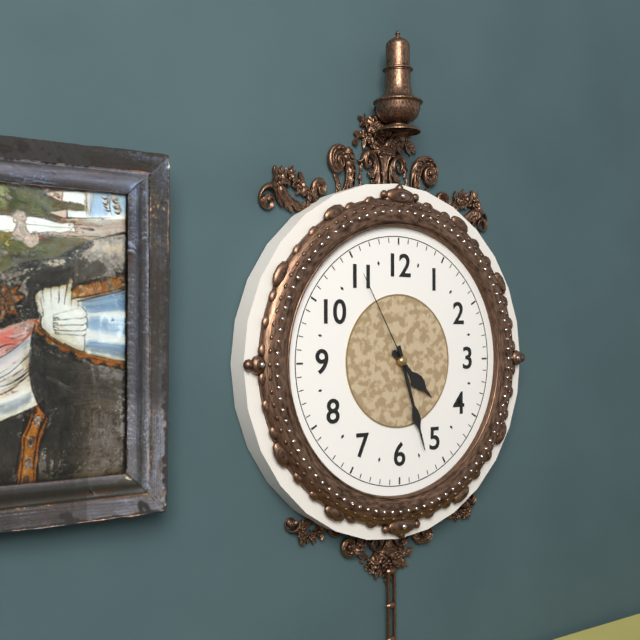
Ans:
h=4 m=27 s=55
